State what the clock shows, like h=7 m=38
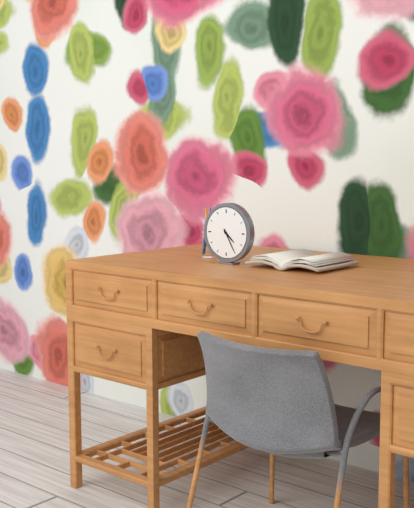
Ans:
h=4 m=25
